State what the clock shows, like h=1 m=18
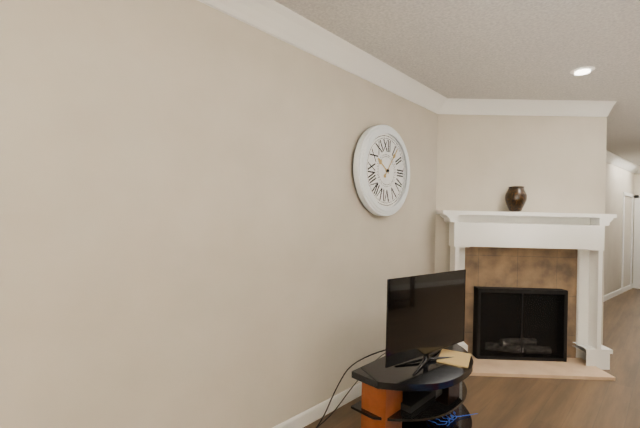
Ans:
h=10 m=6
